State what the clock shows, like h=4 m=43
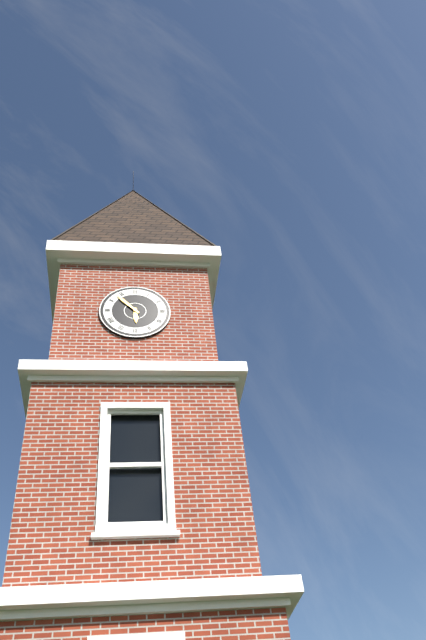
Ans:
h=5 m=53
